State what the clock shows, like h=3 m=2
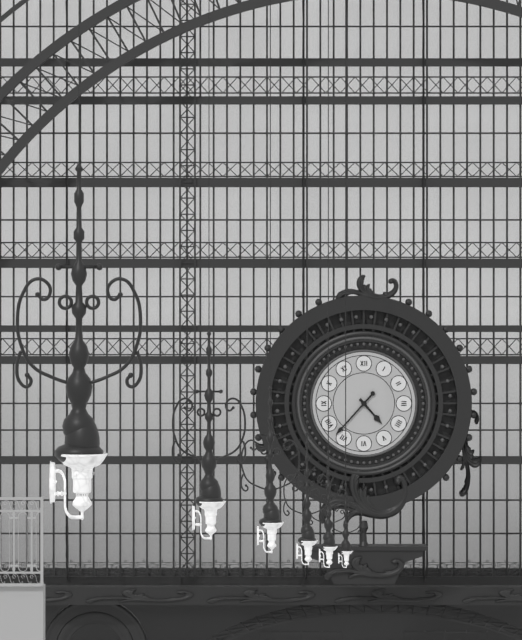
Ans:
h=4 m=37
